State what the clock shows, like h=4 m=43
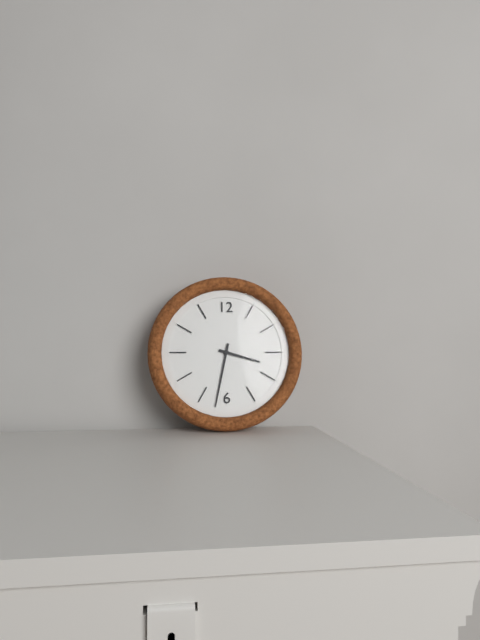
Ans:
h=3 m=32
